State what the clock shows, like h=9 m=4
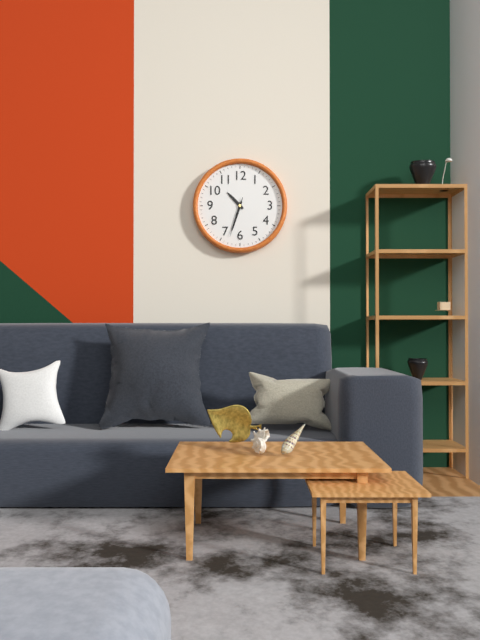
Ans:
h=10 m=33
